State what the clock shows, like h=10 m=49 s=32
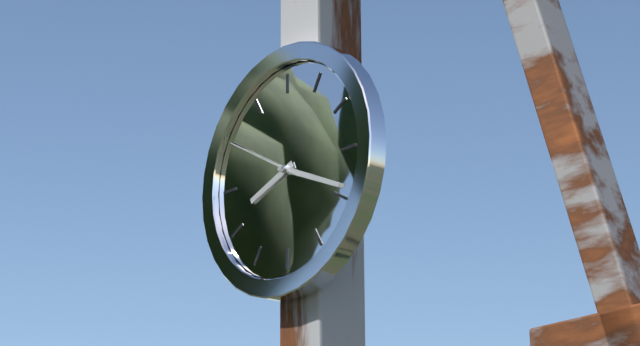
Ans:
h=8 m=19 s=50
